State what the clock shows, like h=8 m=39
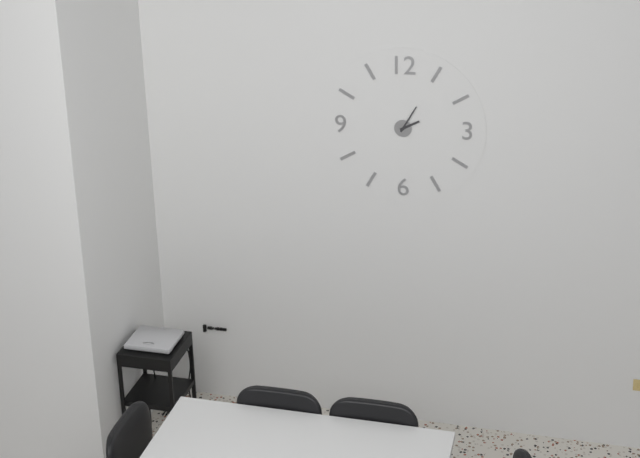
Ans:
h=2 m=5
